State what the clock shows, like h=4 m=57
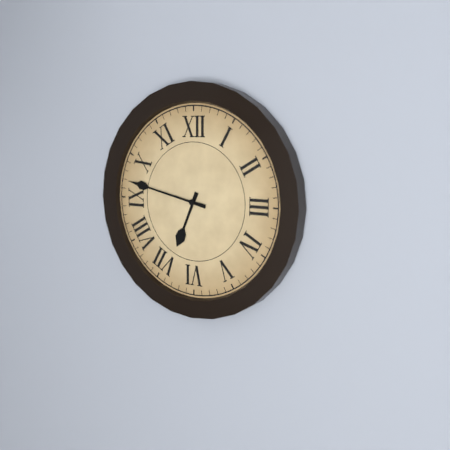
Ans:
h=6 m=47
